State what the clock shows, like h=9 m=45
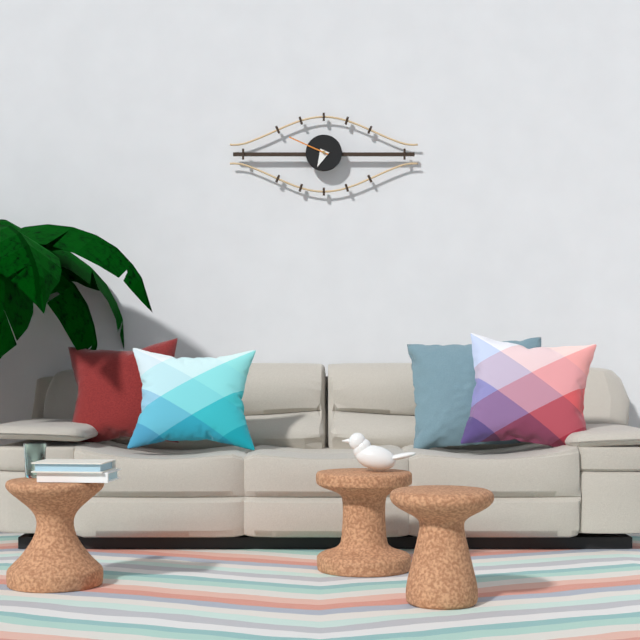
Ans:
h=6 m=49
